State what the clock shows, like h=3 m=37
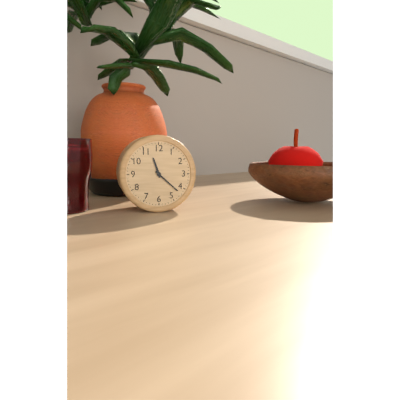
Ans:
h=11 m=22
